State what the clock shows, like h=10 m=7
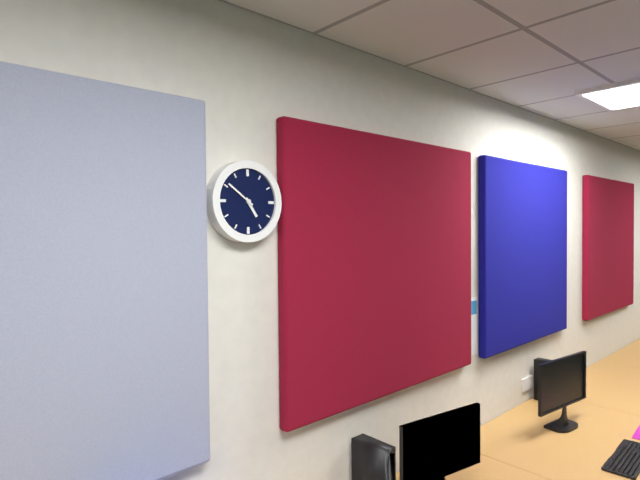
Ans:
h=4 m=51
